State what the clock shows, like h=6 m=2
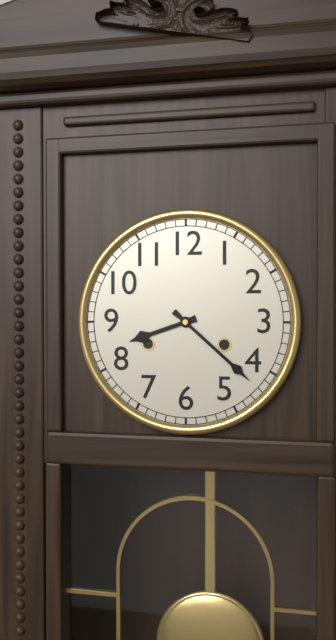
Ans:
h=8 m=22
